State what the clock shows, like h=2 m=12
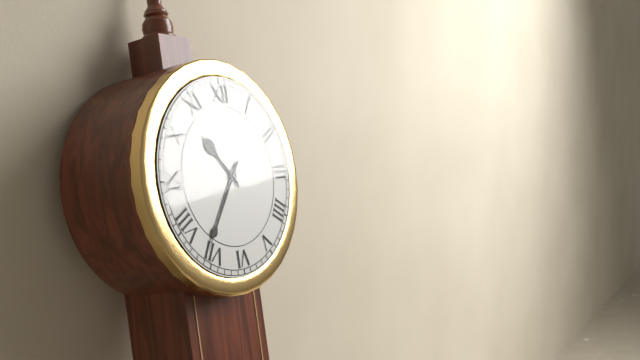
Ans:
h=10 m=36
